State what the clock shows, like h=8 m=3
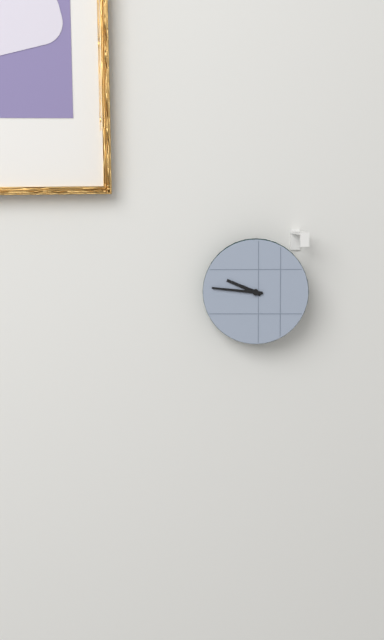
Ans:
h=9 m=46
